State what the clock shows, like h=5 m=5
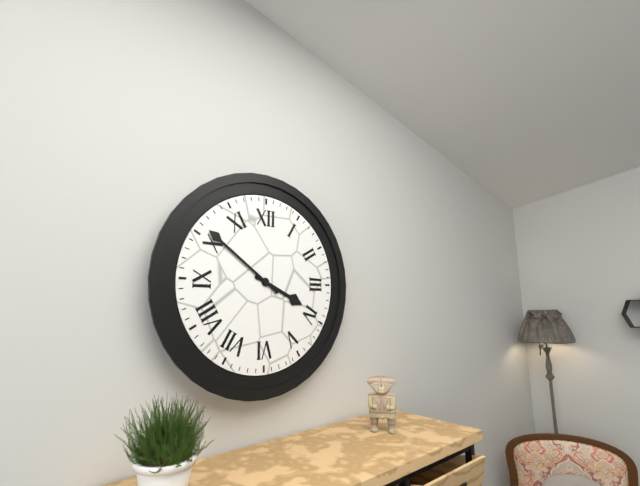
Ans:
h=3 m=51
